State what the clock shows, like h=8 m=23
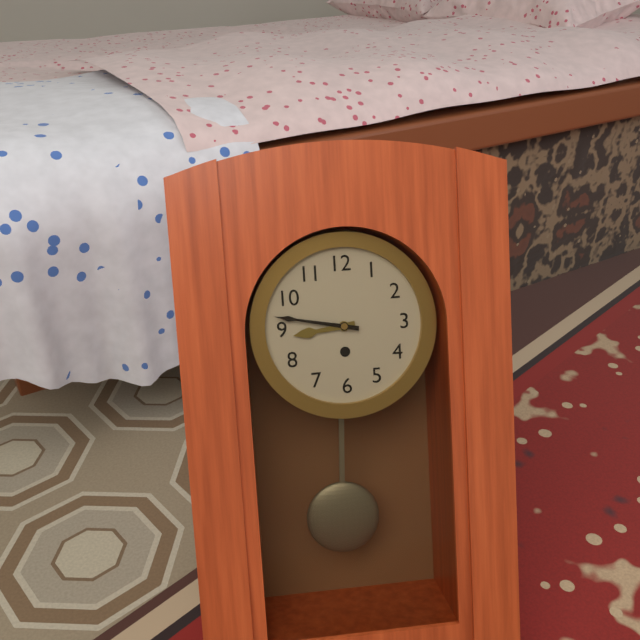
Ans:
h=8 m=47
